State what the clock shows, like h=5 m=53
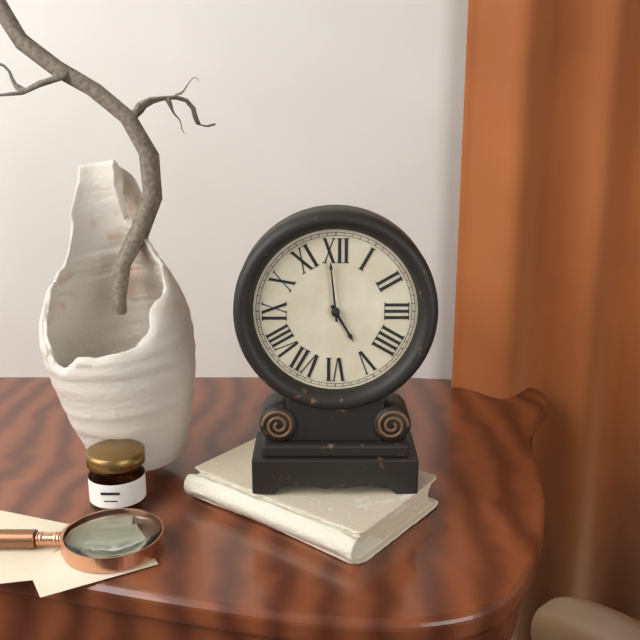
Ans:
h=4 m=59
